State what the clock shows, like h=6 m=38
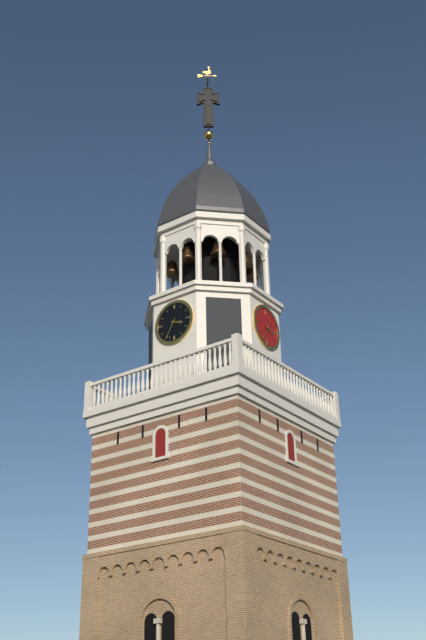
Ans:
h=3 m=35
